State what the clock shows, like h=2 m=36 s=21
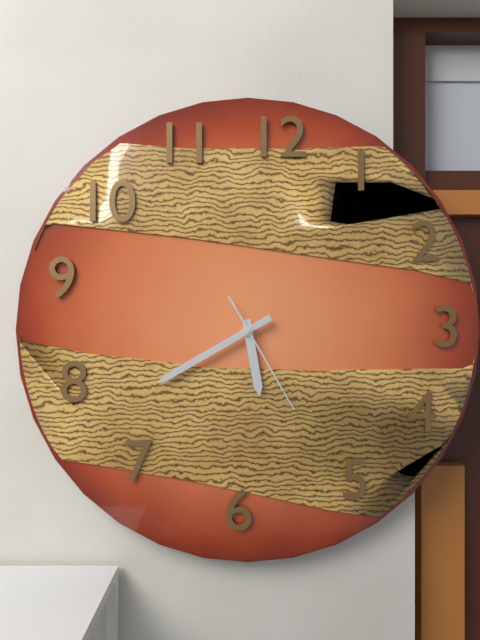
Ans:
h=5 m=40 s=25
